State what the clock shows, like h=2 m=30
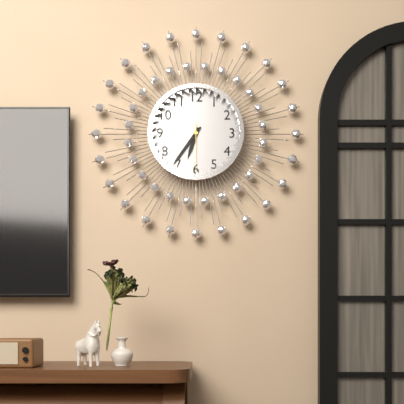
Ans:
h=6 m=36
